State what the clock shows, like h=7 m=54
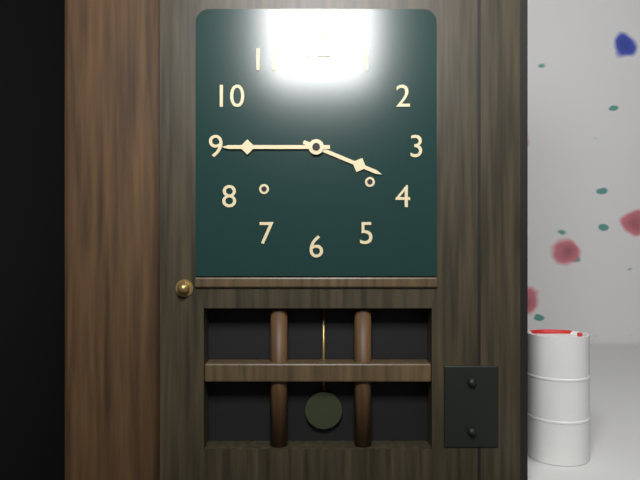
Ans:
h=3 m=45
